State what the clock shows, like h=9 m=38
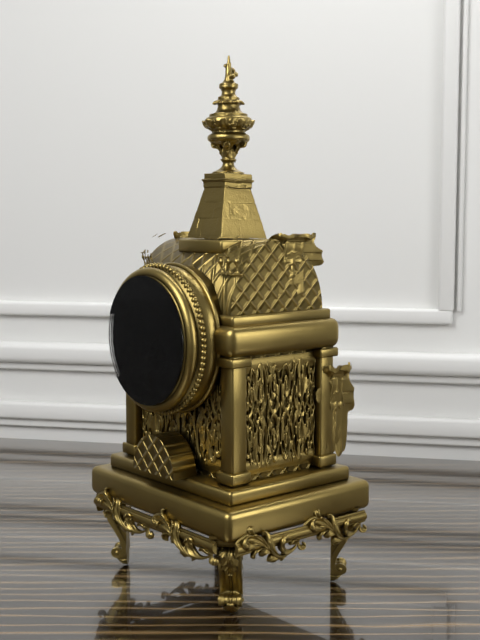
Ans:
h=8 m=2
